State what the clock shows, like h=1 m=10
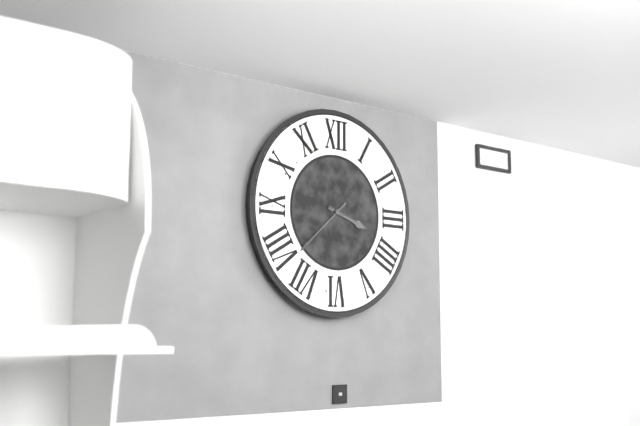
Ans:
h=3 m=38
